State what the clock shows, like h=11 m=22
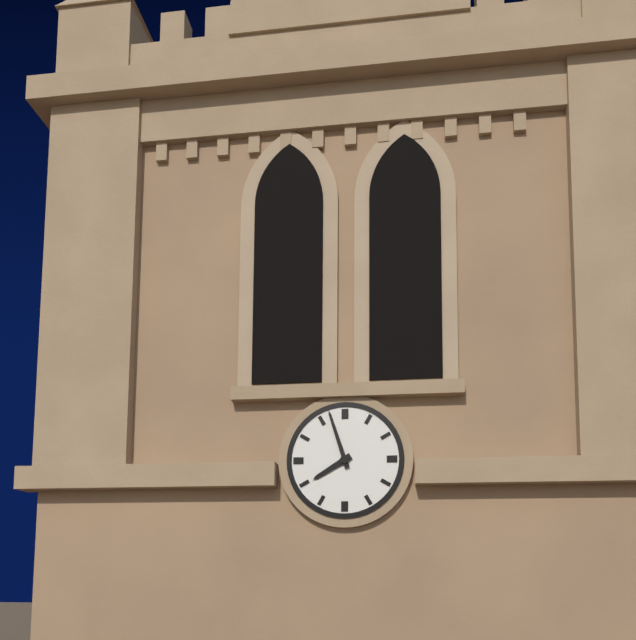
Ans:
h=7 m=57
